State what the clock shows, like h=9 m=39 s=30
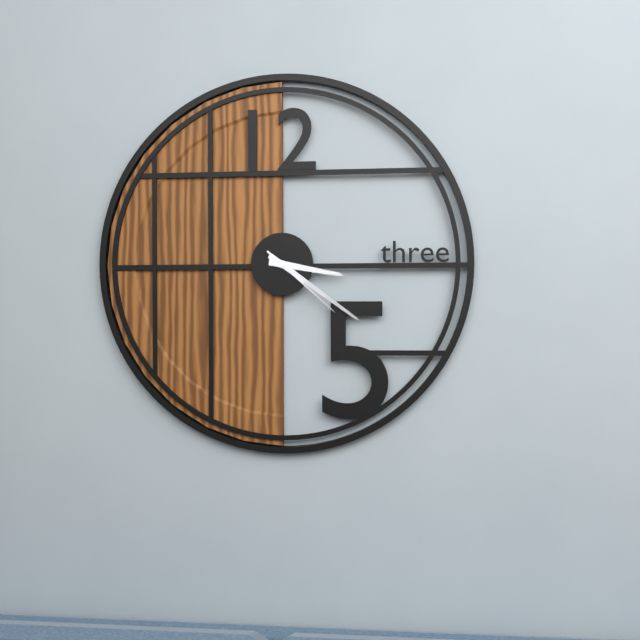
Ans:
h=3 m=21 s=22
